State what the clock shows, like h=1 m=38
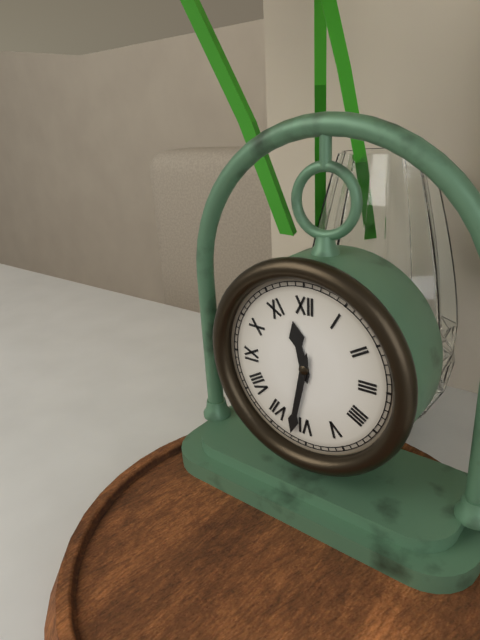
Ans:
h=11 m=32
